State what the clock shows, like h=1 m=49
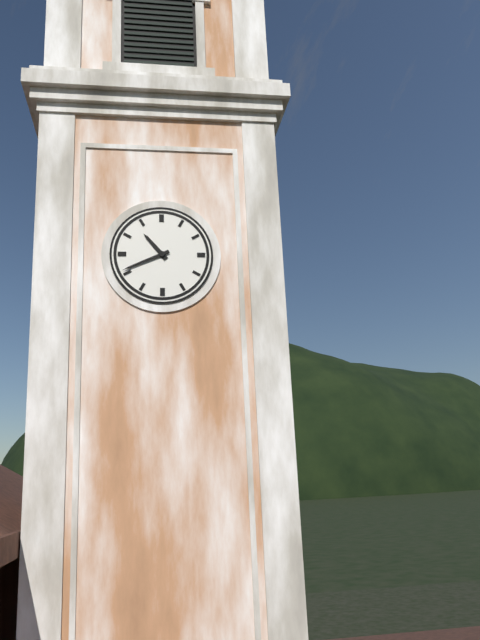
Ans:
h=10 m=41
